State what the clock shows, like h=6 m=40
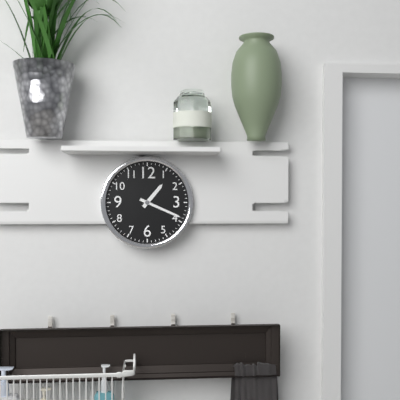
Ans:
h=1 m=19
